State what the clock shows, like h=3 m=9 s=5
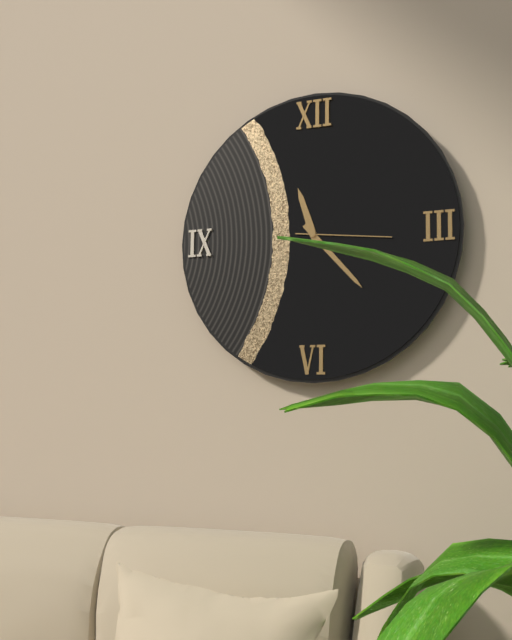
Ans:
h=11 m=23 s=16
